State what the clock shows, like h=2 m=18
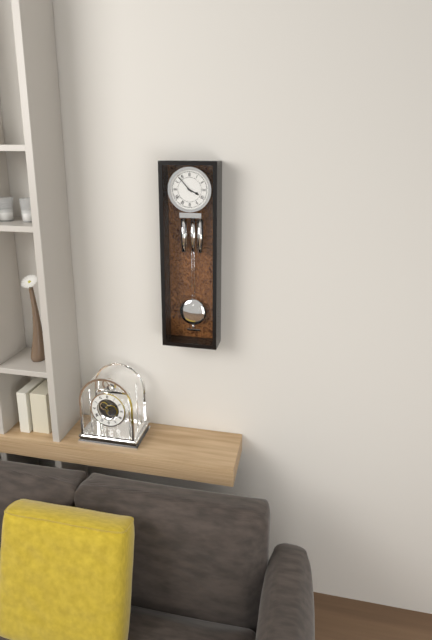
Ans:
h=3 m=53
